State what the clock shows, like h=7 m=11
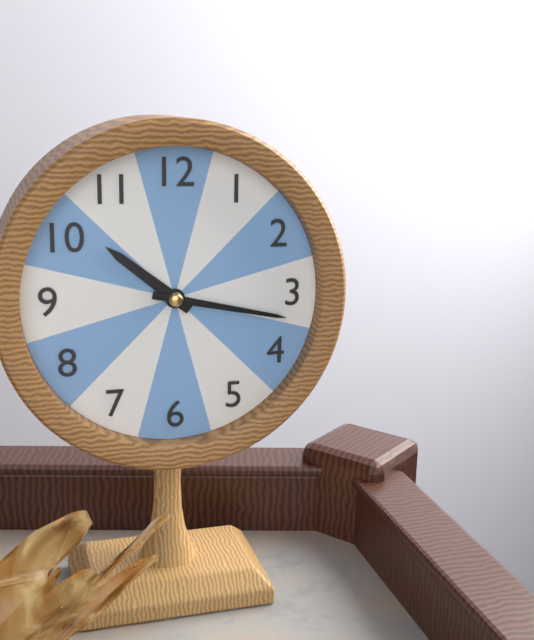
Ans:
h=10 m=17
